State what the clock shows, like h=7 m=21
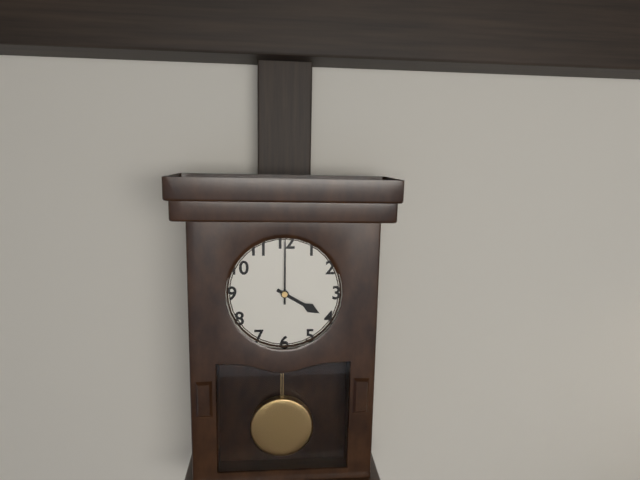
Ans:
h=4 m=0
